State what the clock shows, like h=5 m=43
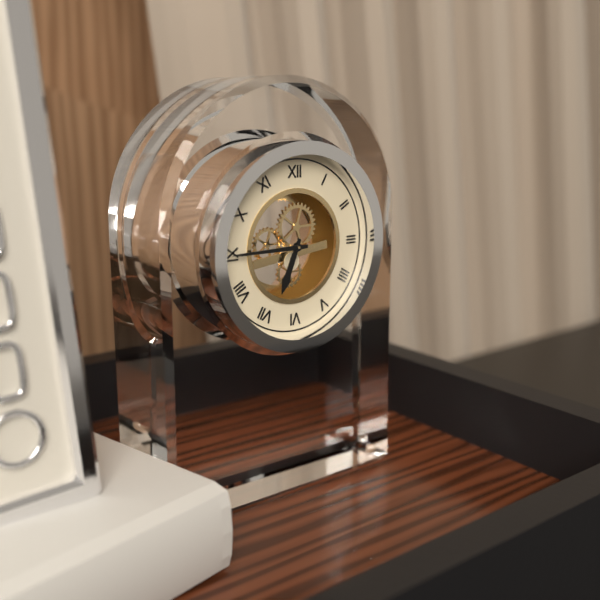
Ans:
h=6 m=45
